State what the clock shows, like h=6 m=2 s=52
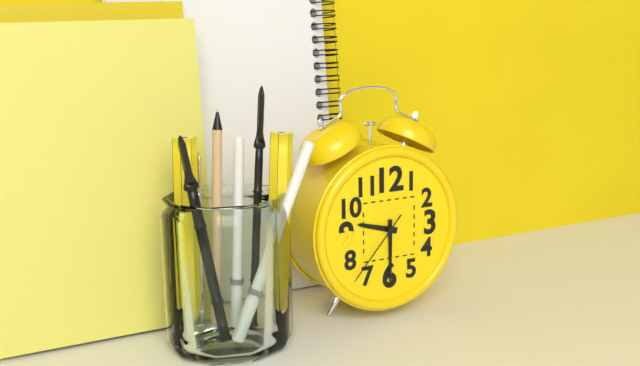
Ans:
h=9 m=30 s=37
